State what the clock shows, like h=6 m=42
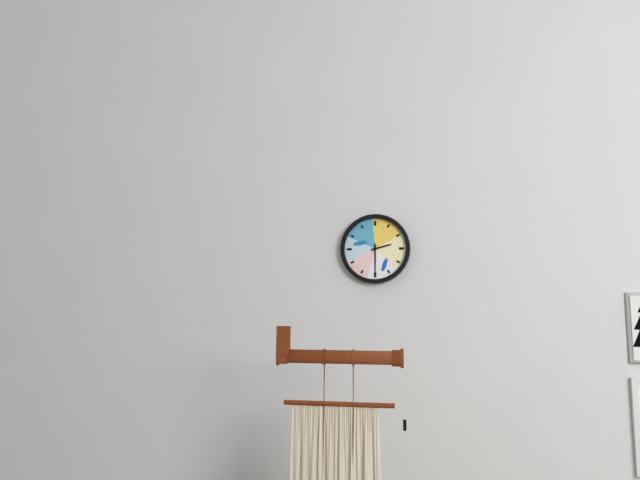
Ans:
h=2 m=30
